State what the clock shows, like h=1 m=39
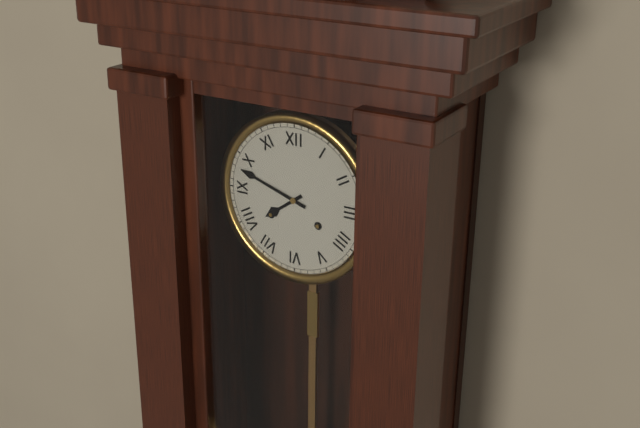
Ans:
h=7 m=48
